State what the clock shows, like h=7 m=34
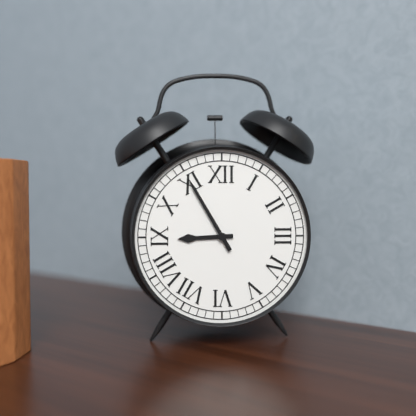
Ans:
h=8 m=55
